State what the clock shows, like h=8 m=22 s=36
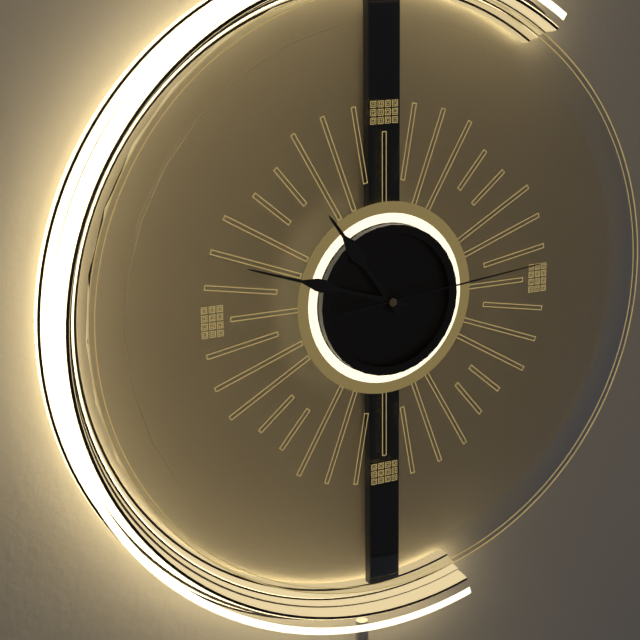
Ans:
h=10 m=48 s=14
